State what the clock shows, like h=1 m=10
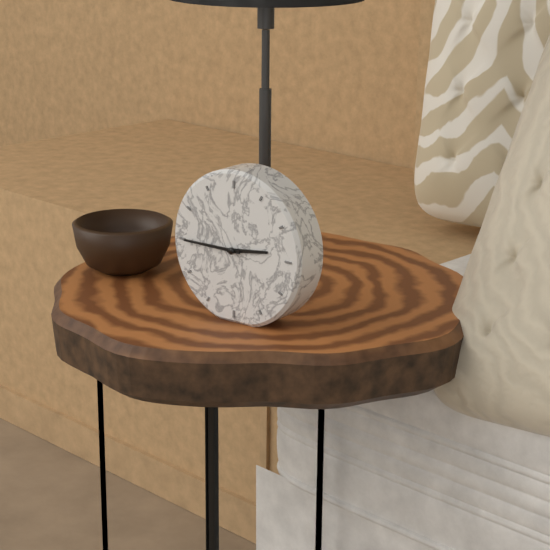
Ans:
h=2 m=45
